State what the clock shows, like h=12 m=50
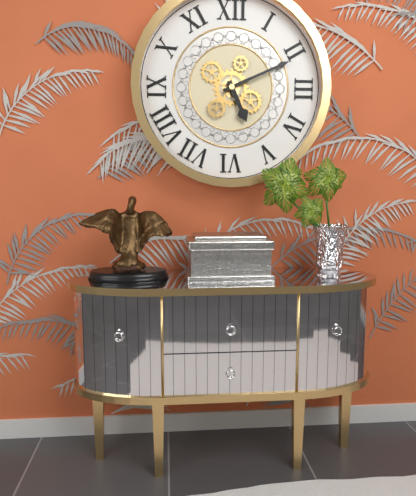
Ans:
h=5 m=11
